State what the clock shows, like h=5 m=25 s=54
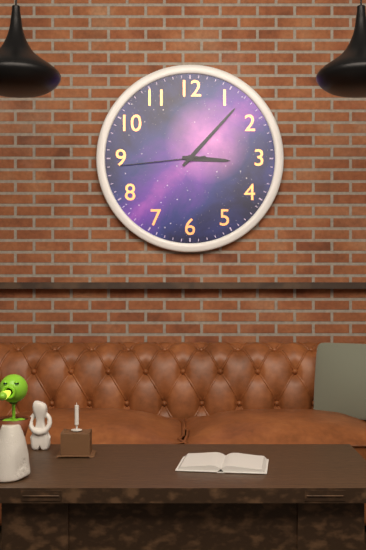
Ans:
h=3 m=7 s=44
